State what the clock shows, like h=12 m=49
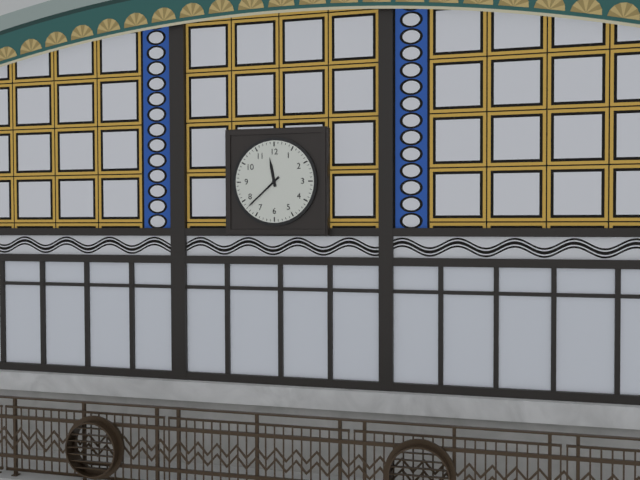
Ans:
h=11 m=38
